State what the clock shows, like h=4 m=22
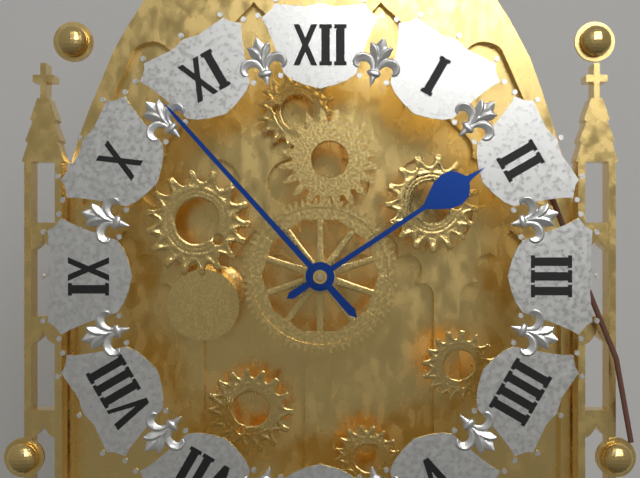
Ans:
h=1 m=53
